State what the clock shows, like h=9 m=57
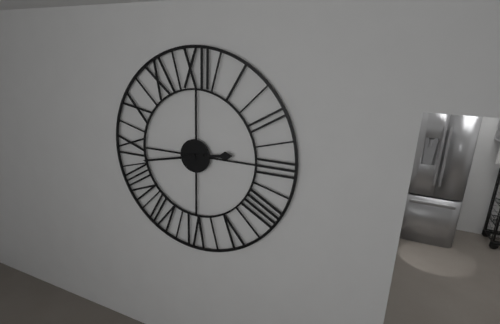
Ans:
h=2 m=43
